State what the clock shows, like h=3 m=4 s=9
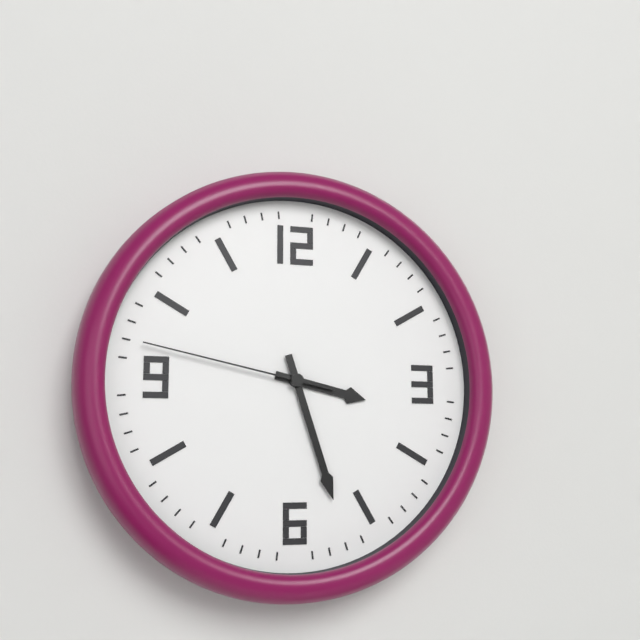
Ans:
h=3 m=27 s=47
